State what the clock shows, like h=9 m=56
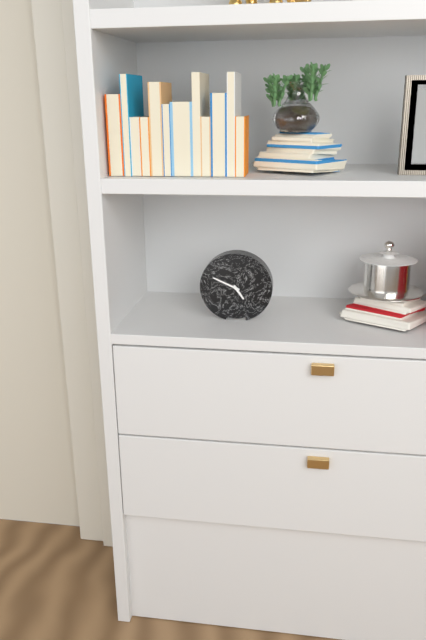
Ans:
h=4 m=49
